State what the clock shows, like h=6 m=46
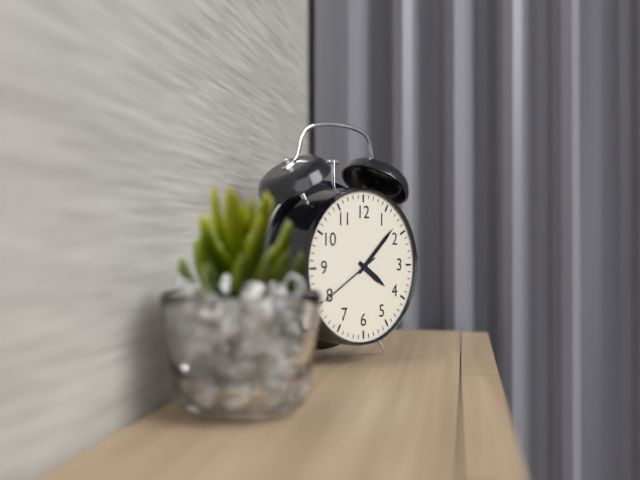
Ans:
h=4 m=8
